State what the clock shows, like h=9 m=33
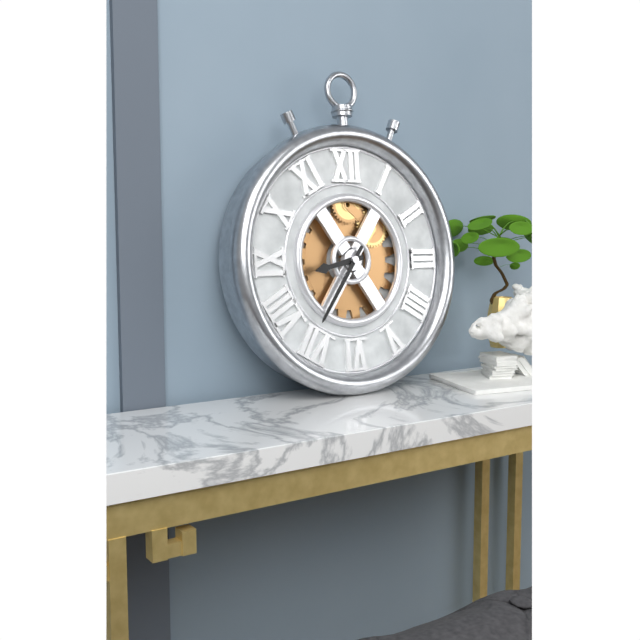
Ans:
h=8 m=36
